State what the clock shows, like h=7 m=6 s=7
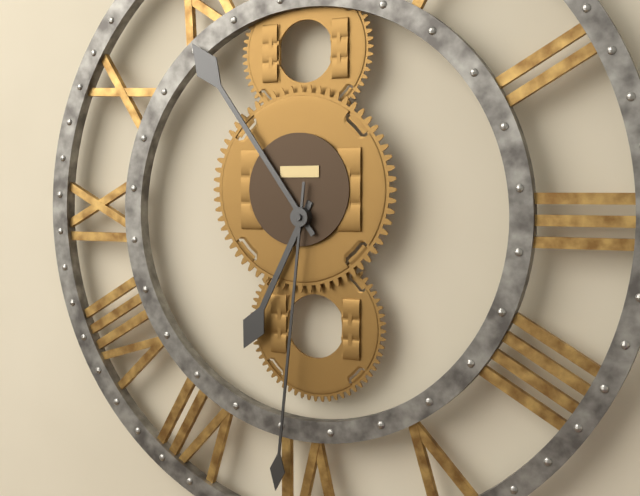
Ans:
h=6 m=54 s=31
